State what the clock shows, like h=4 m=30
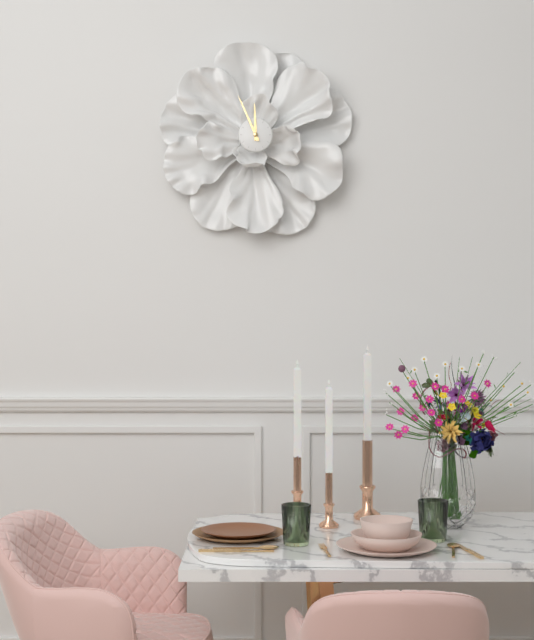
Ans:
h=11 m=56
